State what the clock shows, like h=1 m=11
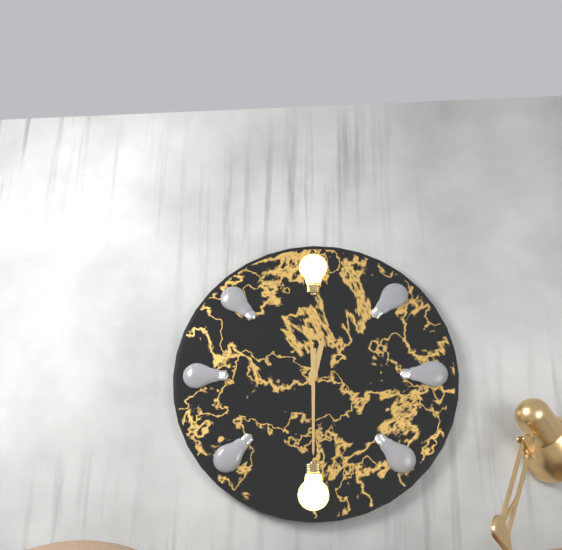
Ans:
h=12 m=30
